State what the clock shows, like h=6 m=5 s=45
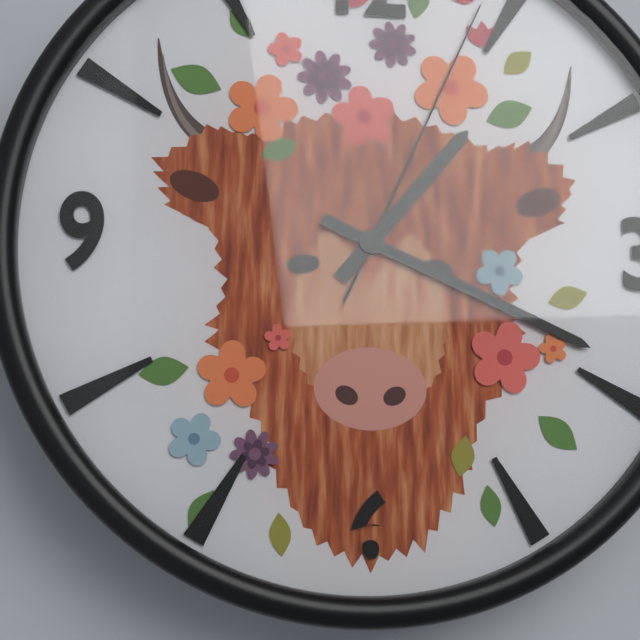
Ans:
h=1 m=19 s=4
